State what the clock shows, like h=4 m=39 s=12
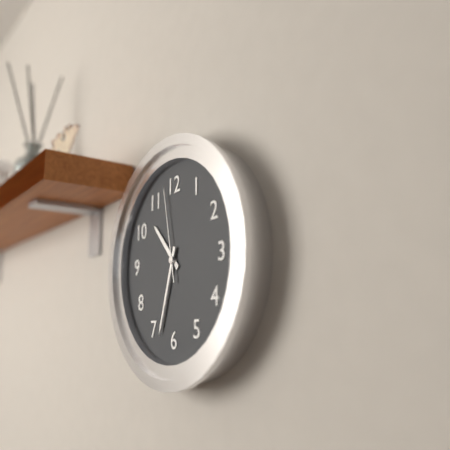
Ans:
h=10 m=33 s=58
